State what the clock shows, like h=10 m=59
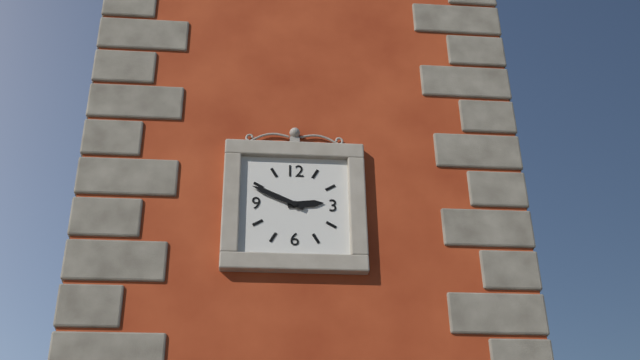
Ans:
h=2 m=49
